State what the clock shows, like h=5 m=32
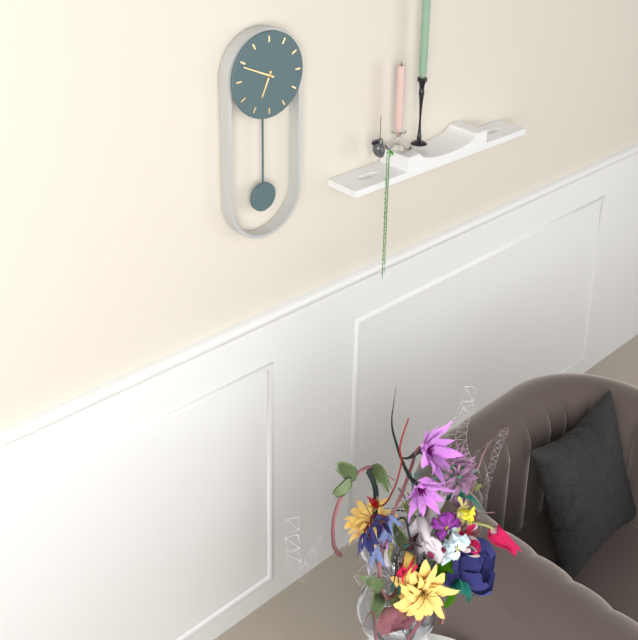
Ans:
h=6 m=49
